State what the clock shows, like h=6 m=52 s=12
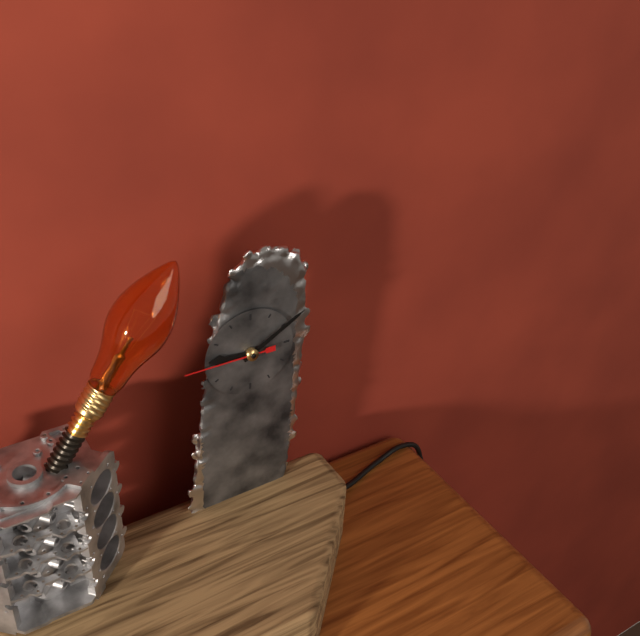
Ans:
h=9 m=10 s=45
